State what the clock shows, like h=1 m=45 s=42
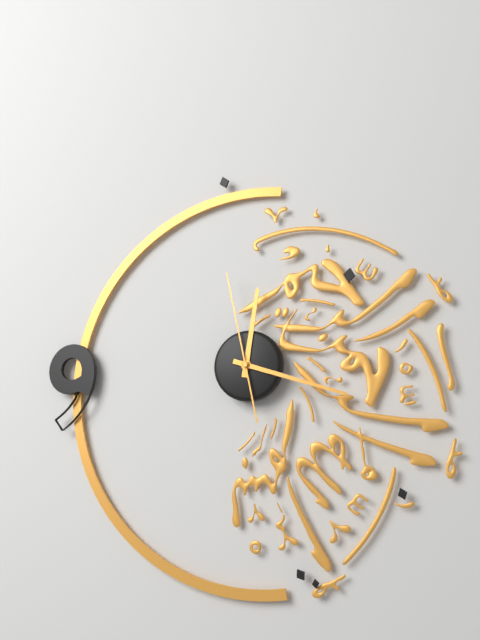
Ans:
h=12 m=18 s=58
